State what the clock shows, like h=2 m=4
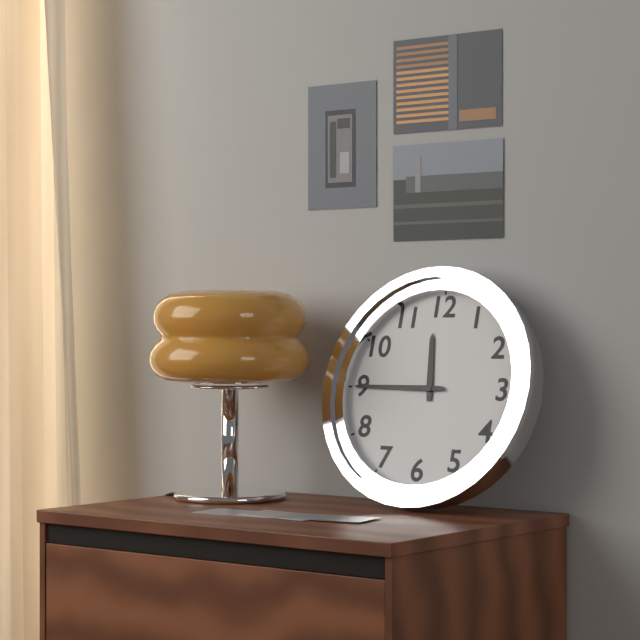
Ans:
h=11 m=45
